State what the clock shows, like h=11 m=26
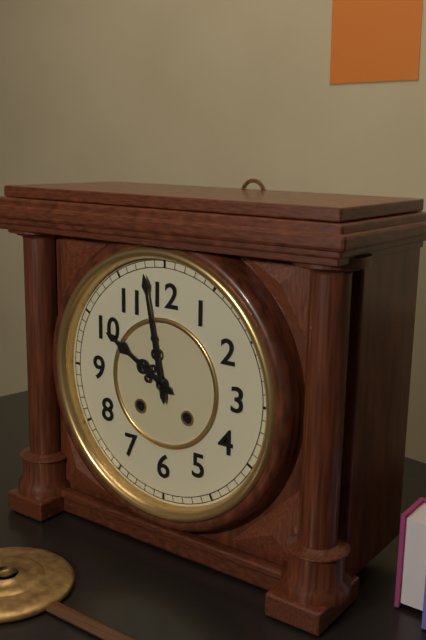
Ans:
h=9 m=58
